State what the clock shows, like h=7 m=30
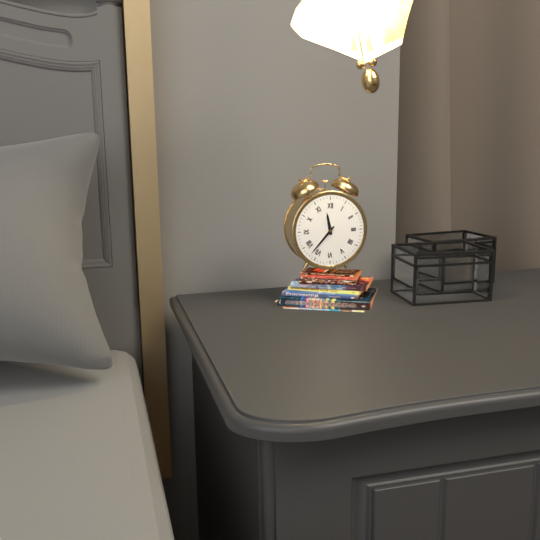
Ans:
h=11 m=37
